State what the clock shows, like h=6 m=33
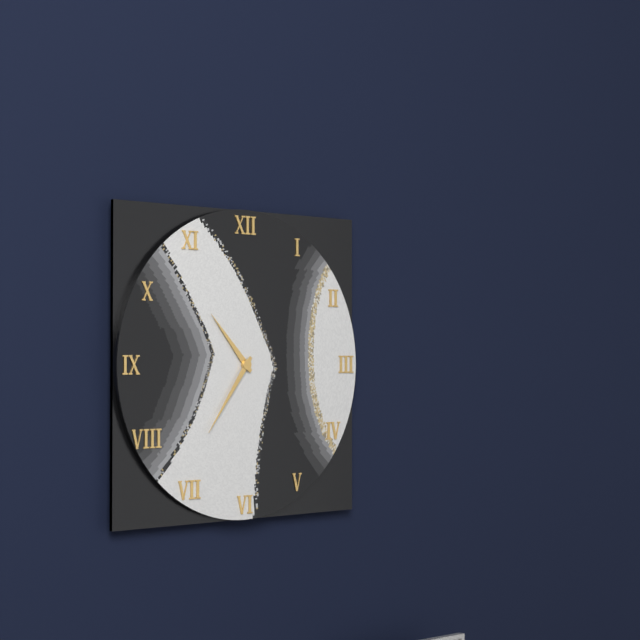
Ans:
h=10 m=36
